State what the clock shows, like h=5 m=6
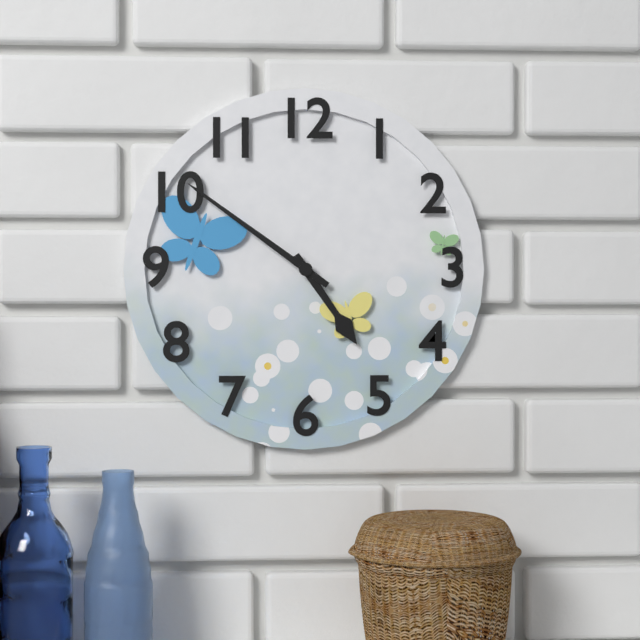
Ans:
h=4 m=51
